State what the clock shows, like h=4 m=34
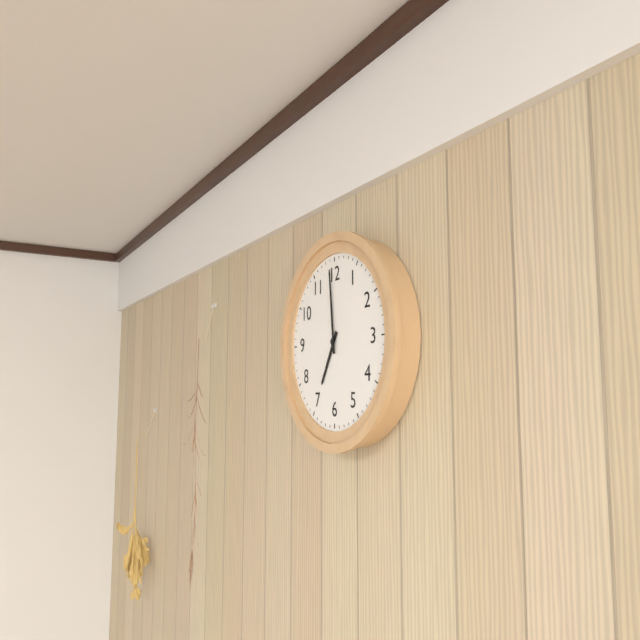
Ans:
h=6 m=59
